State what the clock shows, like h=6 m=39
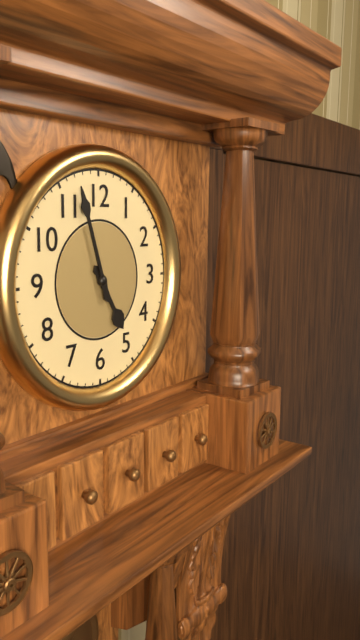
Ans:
h=4 m=57
